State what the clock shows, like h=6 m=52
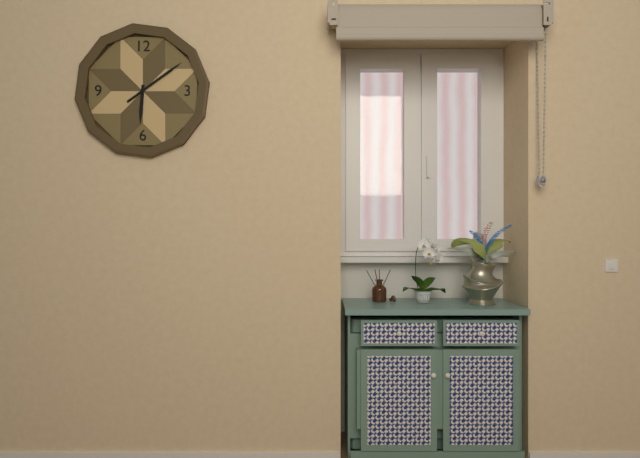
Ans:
h=6 m=9
